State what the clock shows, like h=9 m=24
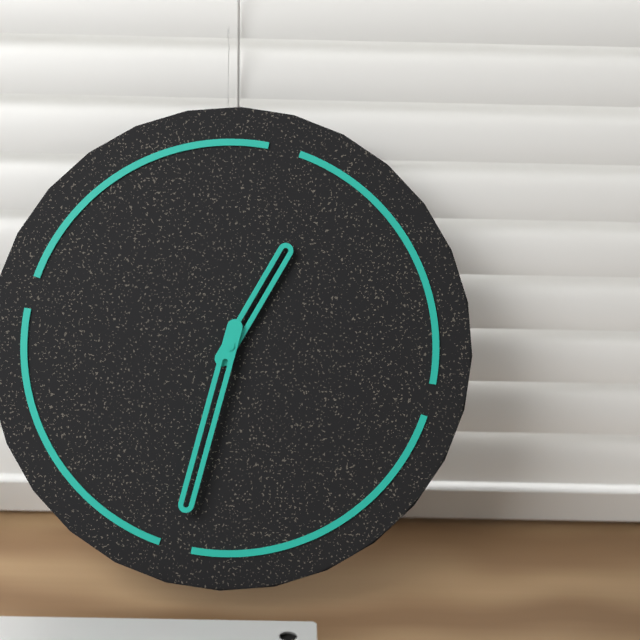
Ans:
h=12 m=30
